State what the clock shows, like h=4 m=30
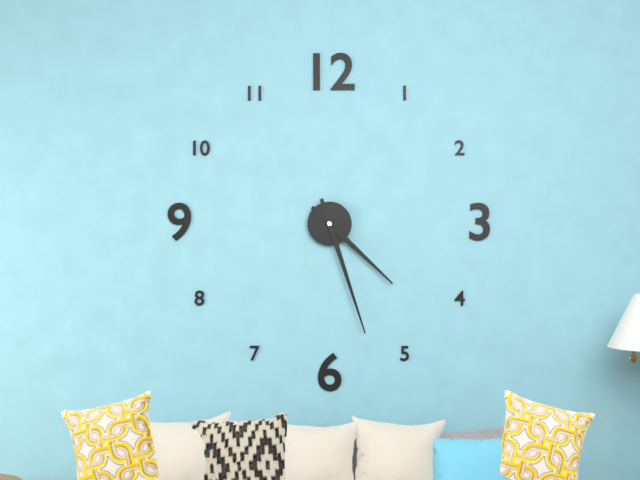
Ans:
h=4 m=27
